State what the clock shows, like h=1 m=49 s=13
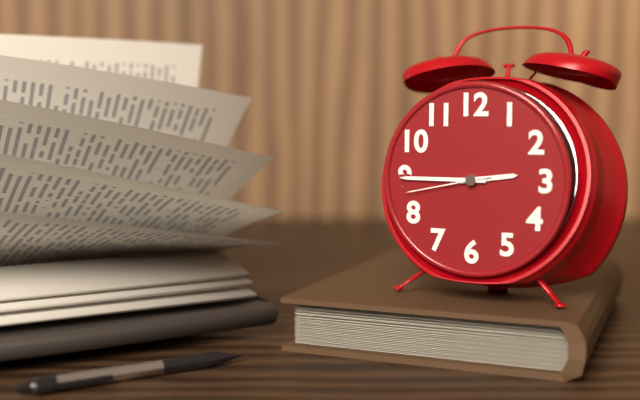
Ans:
h=2 m=45 s=43
